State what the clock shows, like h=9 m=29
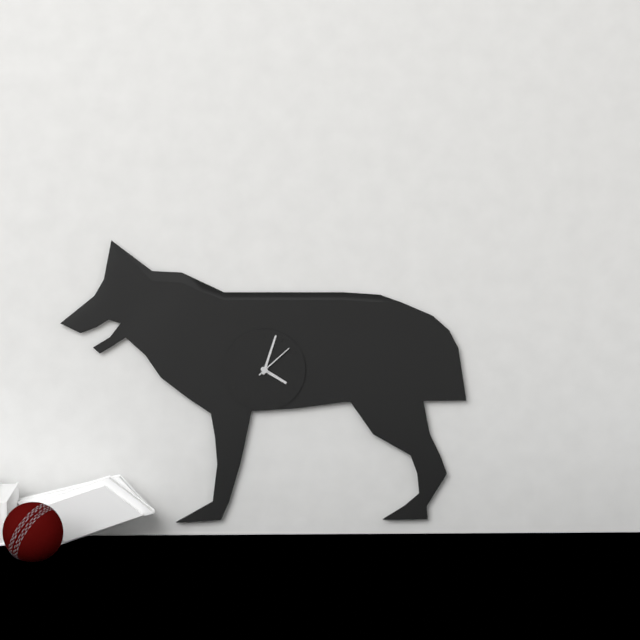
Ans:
h=4 m=3
